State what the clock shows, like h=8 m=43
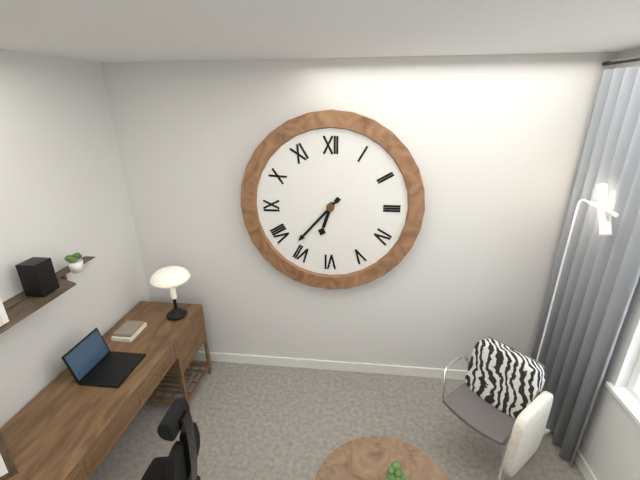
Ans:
h=6 m=37
